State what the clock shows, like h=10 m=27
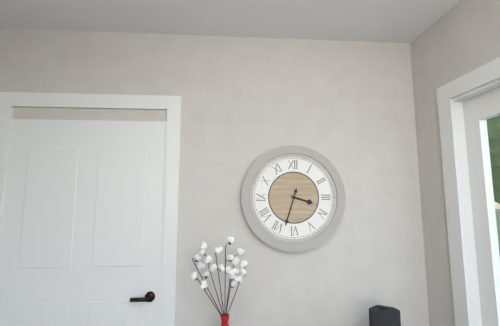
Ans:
h=3 m=33
